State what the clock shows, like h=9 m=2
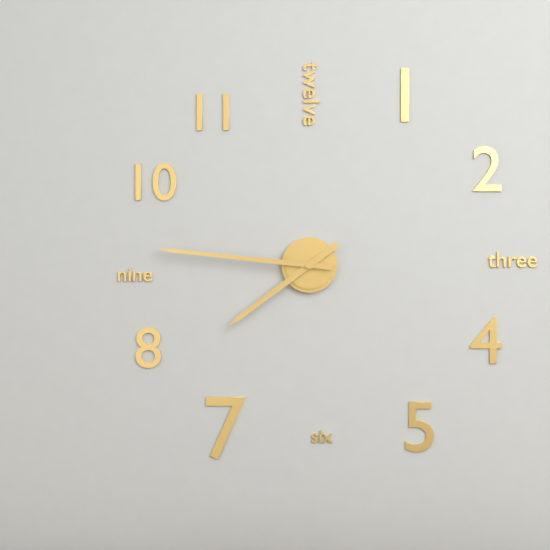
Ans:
h=7 m=46
